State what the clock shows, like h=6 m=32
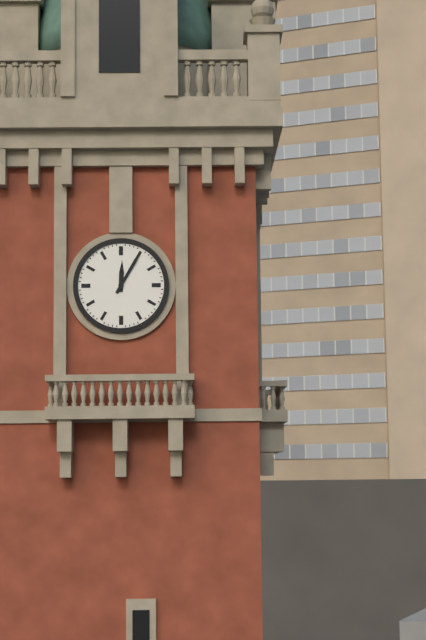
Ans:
h=12 m=5
